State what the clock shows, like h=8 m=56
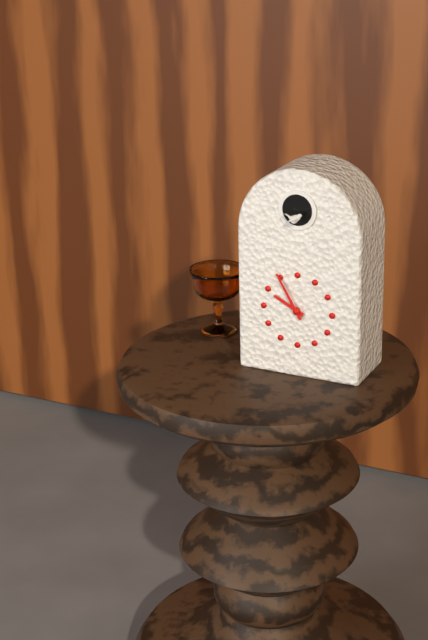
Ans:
h=9 m=55
